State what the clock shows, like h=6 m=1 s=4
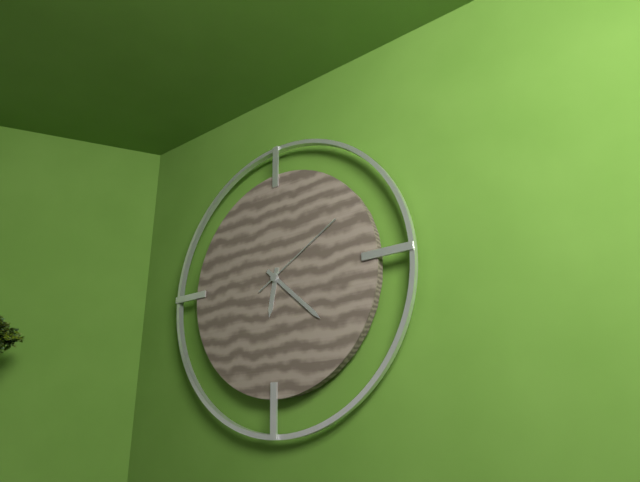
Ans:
h=6 m=22 s=10
